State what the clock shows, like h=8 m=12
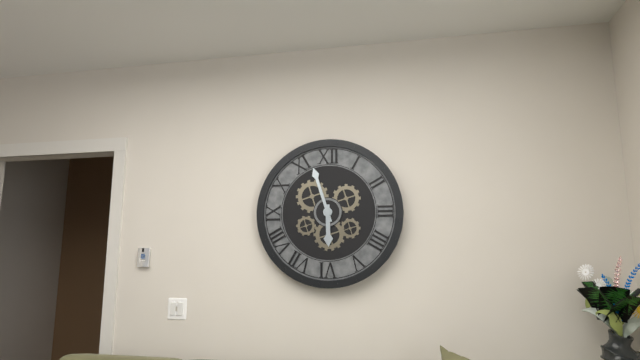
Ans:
h=5 m=57
